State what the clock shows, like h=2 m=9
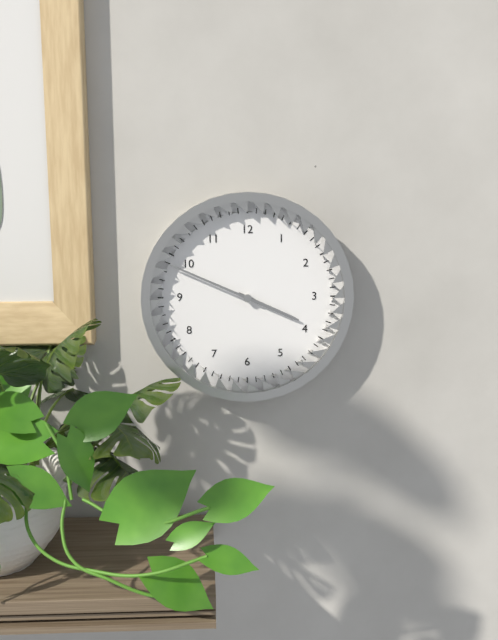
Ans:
h=3 m=49
